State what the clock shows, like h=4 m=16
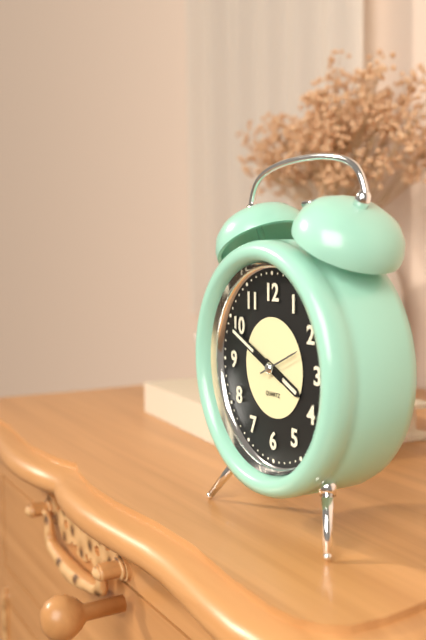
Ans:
h=3 m=49
